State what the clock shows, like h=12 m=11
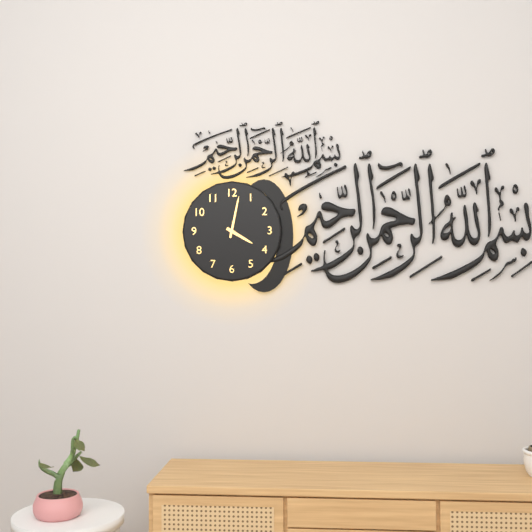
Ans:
h=4 m=2
